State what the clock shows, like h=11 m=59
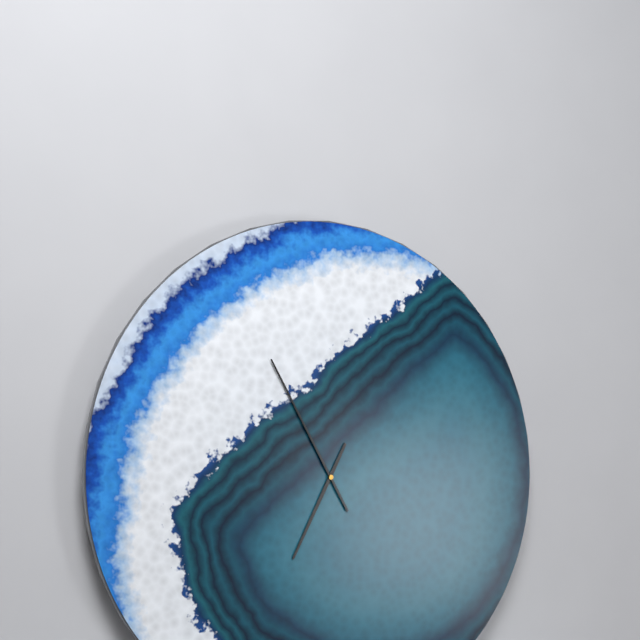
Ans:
h=6 m=55
